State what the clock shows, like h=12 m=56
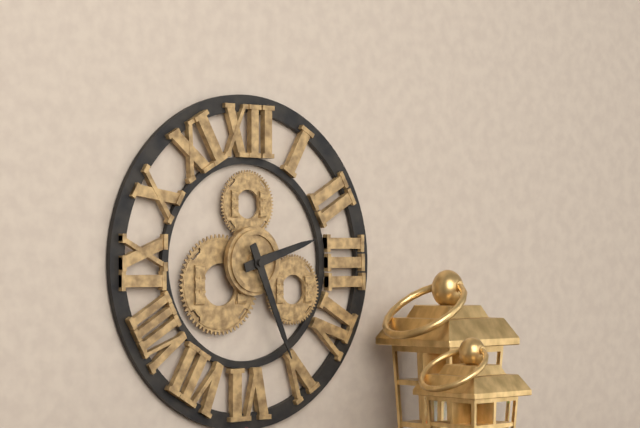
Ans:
h=2 m=26
